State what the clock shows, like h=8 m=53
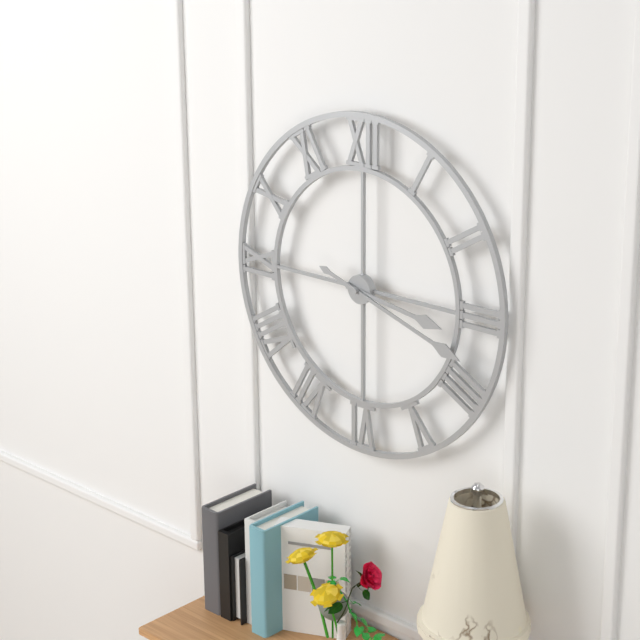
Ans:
h=3 m=18
